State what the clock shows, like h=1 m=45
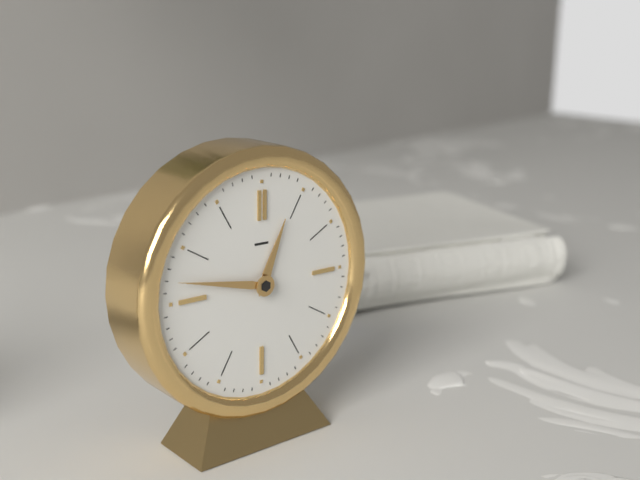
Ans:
h=12 m=47
